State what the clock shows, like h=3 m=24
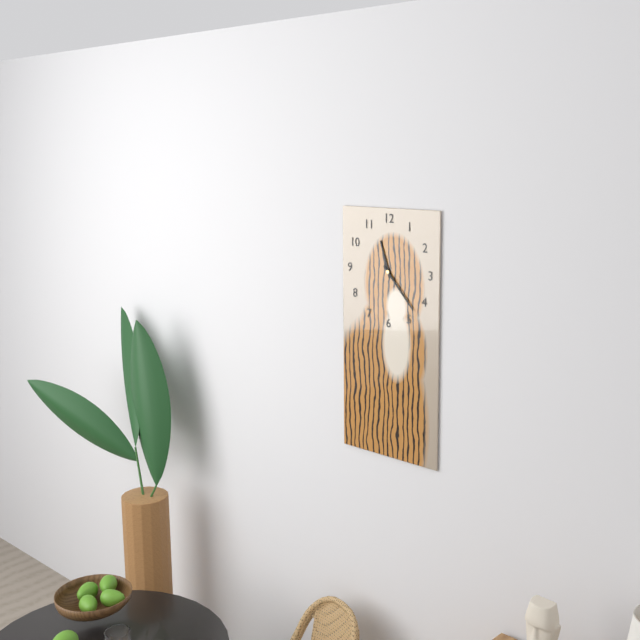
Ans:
h=11 m=23
